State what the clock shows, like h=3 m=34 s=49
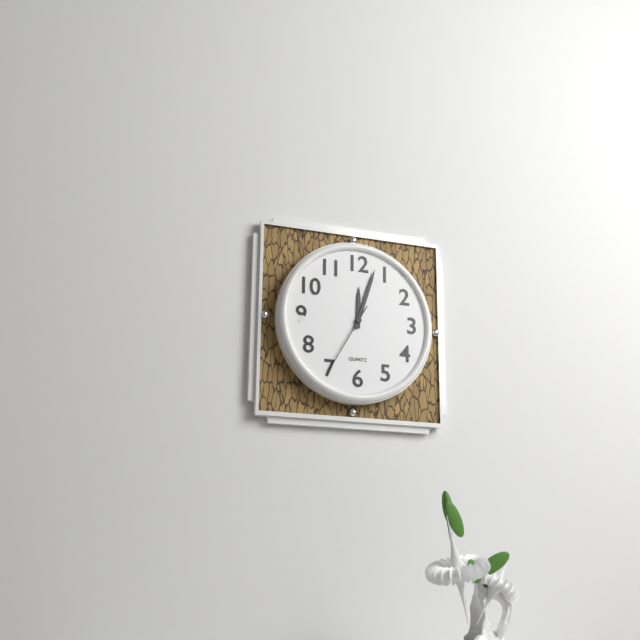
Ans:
h=12 m=3 s=35
